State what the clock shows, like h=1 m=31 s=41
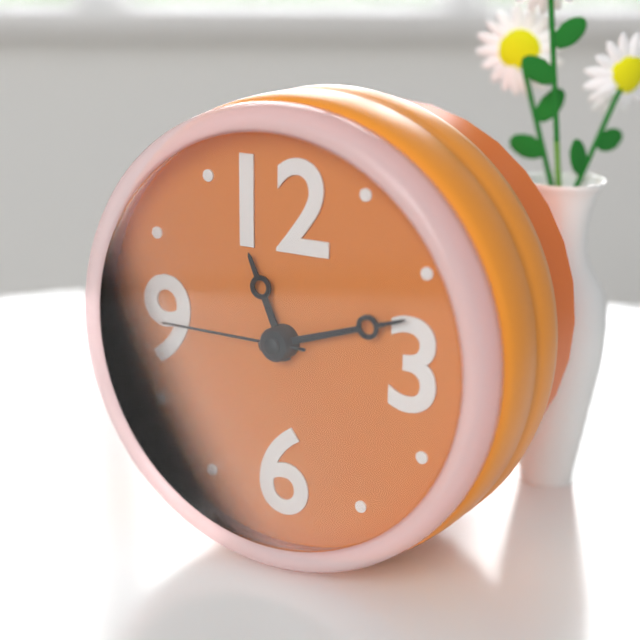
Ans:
h=11 m=12 s=45
